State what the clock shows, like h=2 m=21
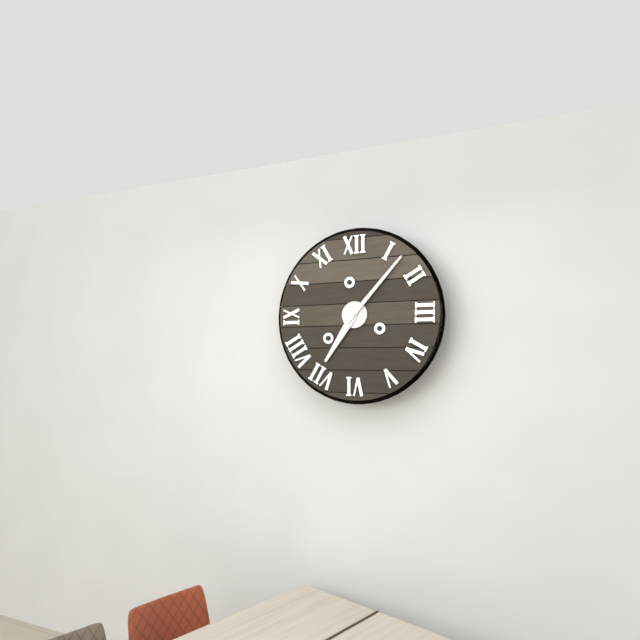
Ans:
h=7 m=7
